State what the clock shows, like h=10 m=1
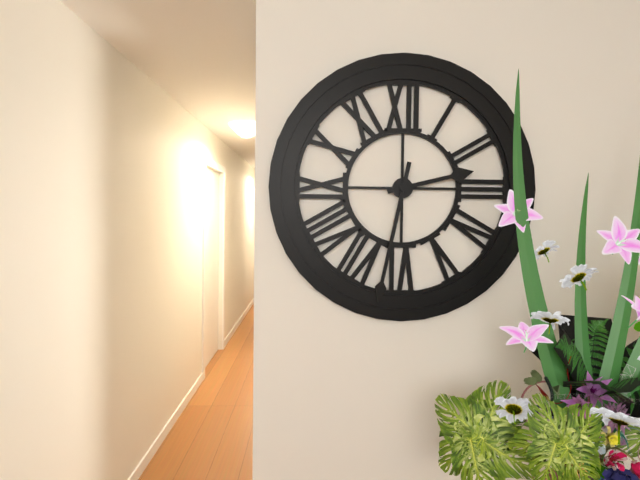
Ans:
h=2 m=32
